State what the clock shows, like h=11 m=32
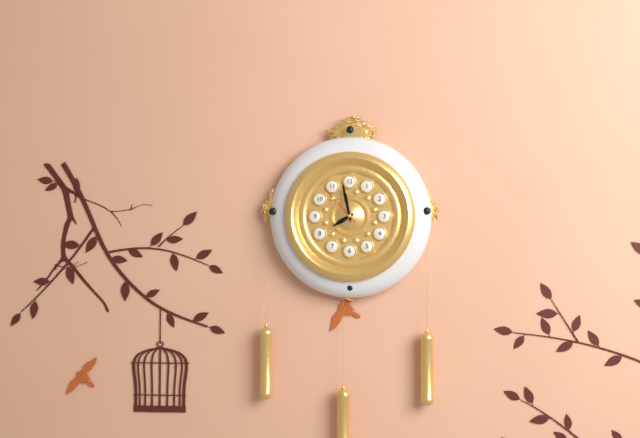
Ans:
h=7 m=58
